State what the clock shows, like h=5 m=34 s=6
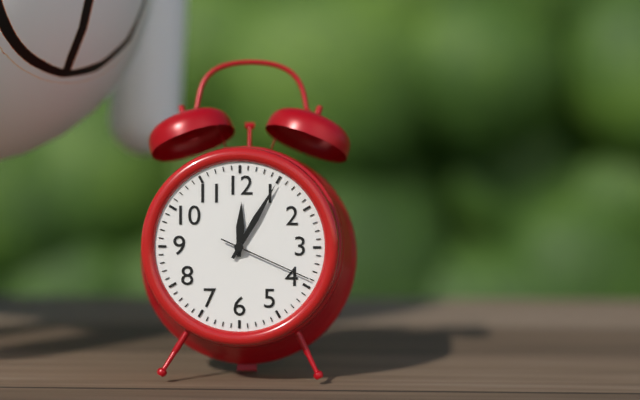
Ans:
h=12 m=5 s=19
